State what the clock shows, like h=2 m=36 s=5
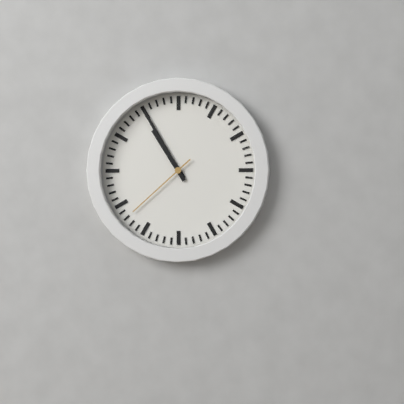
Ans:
h=10 m=55 s=38
